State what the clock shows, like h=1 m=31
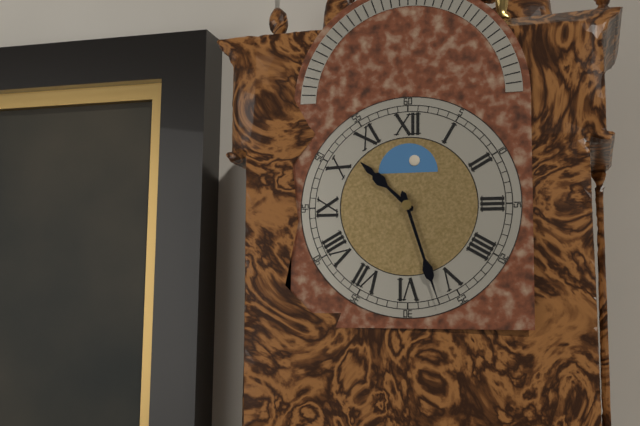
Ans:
h=10 m=27
